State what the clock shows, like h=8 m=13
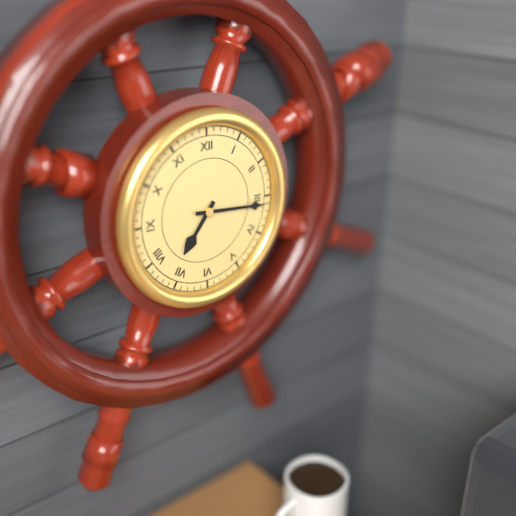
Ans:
h=7 m=16
